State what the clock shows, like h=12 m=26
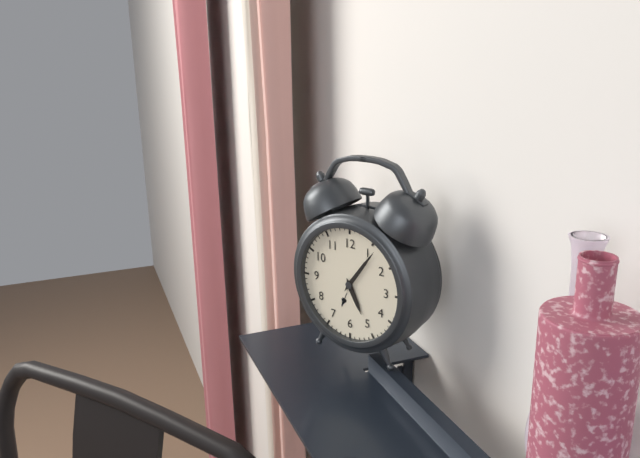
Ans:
h=5 m=6
